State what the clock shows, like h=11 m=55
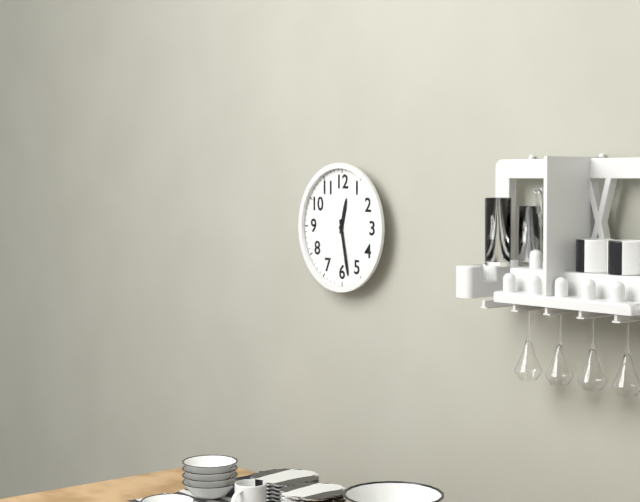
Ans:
h=12 m=28
